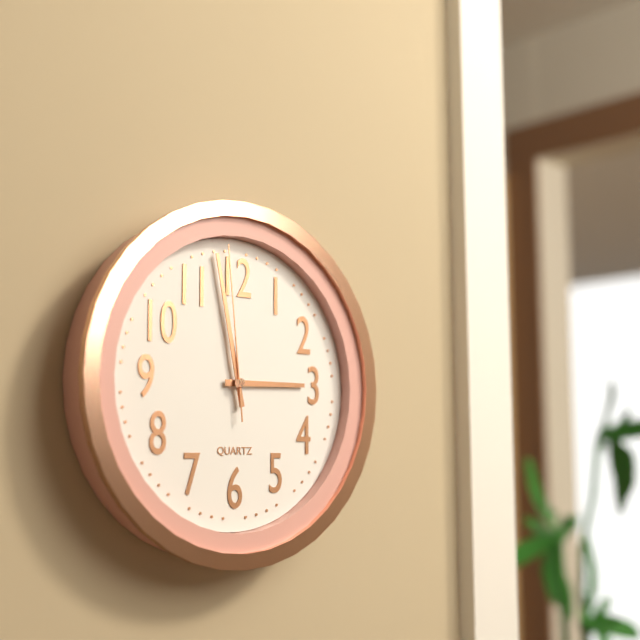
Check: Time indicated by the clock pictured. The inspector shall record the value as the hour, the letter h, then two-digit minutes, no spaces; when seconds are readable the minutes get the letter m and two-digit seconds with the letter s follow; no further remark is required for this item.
2h58m59s
